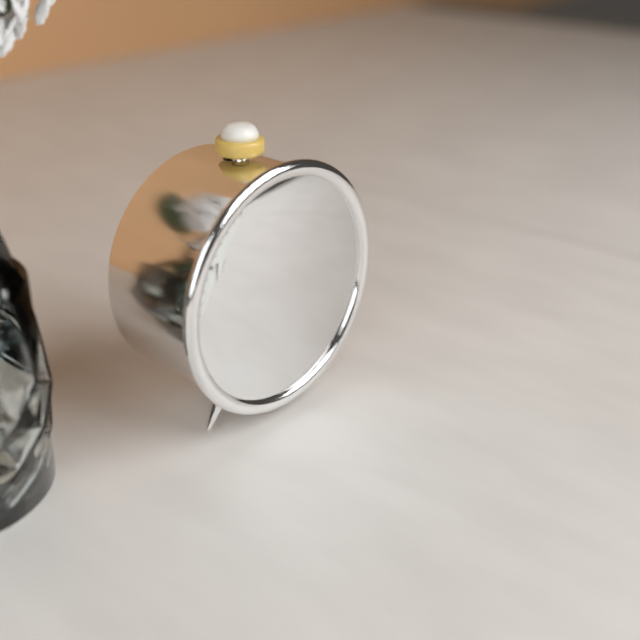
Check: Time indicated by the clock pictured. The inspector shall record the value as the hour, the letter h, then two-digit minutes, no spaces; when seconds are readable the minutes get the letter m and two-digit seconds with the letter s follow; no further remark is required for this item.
12h33
